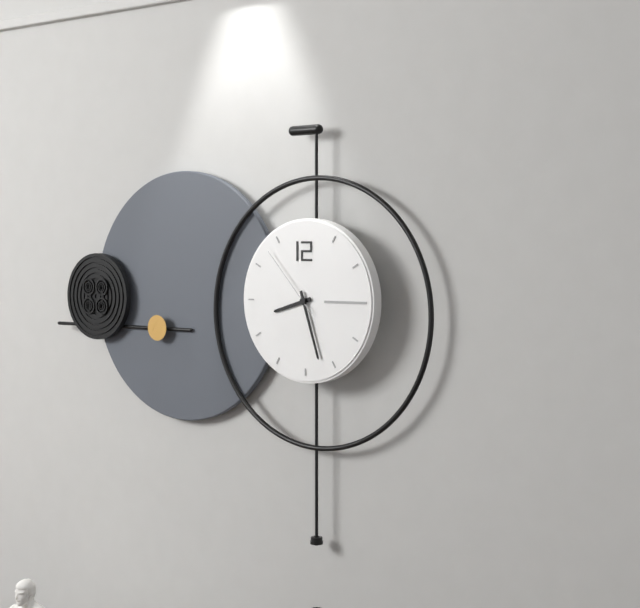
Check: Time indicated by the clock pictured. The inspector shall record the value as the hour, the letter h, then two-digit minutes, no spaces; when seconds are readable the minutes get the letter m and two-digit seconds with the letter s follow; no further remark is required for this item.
8h27m53s
